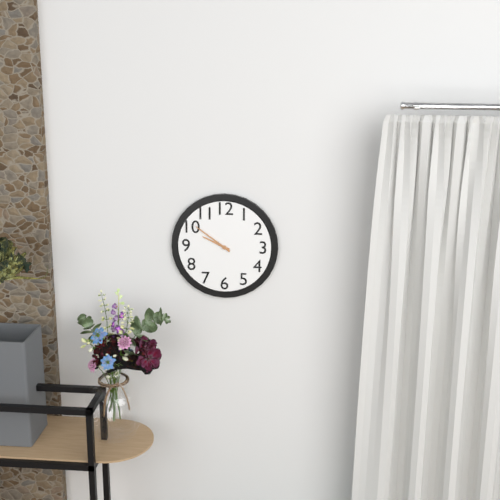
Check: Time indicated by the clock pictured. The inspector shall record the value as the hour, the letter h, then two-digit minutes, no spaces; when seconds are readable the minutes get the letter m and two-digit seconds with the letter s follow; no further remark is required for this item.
9h51
